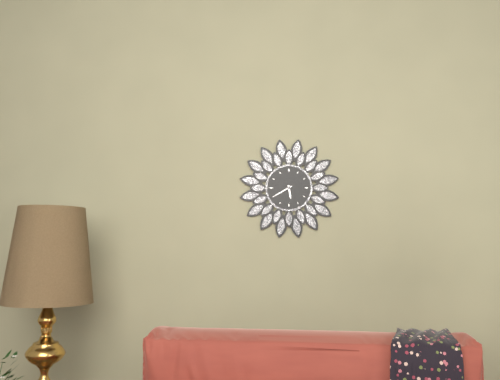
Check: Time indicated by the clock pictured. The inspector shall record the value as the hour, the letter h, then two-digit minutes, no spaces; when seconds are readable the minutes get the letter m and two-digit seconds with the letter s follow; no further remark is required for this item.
5h40
